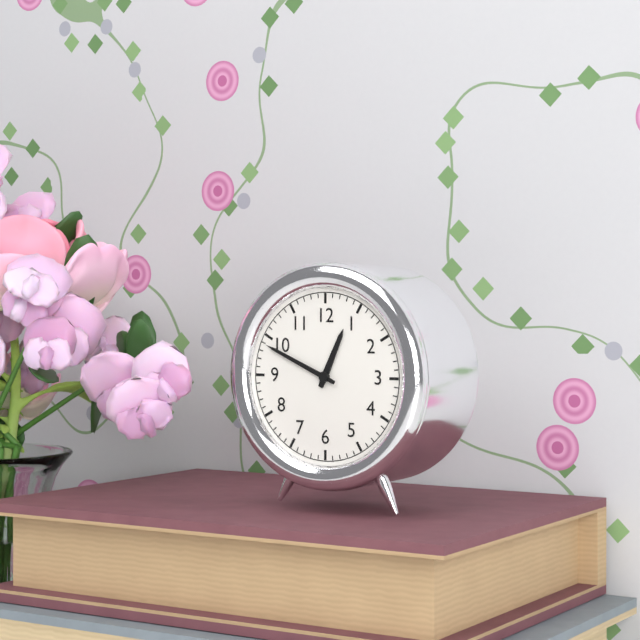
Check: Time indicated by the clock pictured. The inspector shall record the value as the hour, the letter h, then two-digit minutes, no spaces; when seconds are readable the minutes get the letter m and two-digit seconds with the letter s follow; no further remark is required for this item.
12h49
